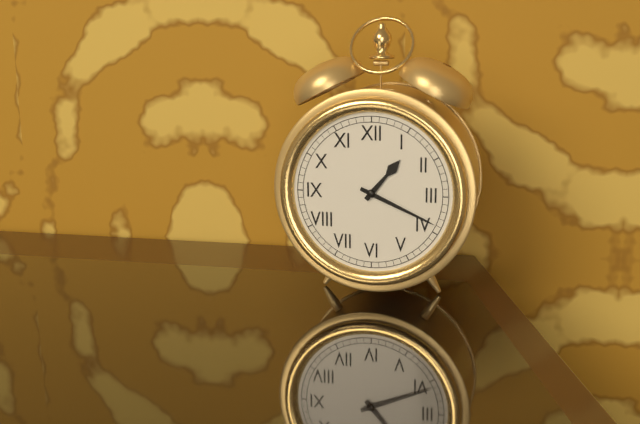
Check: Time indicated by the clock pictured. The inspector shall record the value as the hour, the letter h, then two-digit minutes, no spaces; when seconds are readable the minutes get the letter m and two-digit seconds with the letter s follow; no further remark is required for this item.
1h19
